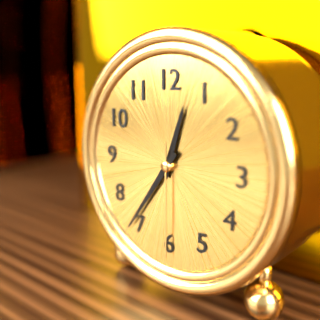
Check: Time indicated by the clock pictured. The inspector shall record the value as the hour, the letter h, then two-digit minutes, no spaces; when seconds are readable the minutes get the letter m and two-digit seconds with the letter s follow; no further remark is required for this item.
12h36m30s
